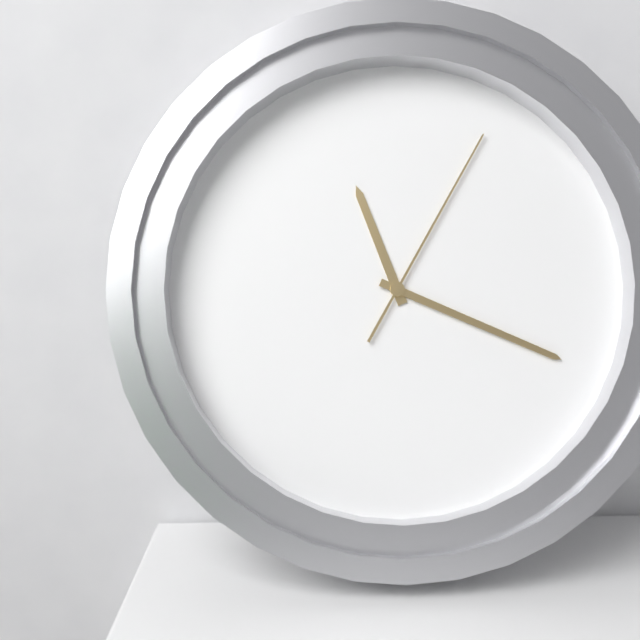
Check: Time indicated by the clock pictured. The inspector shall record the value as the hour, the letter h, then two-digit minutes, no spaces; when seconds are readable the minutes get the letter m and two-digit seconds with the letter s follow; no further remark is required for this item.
11h19m05s
